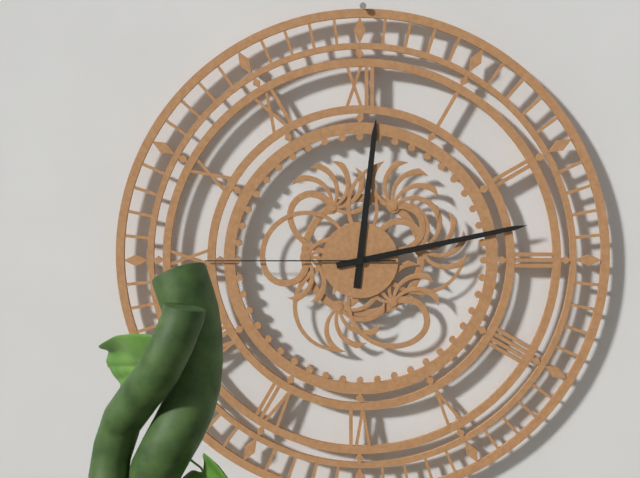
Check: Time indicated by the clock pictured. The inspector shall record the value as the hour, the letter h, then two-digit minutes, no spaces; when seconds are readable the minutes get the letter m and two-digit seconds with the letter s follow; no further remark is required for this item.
12h13m45s
